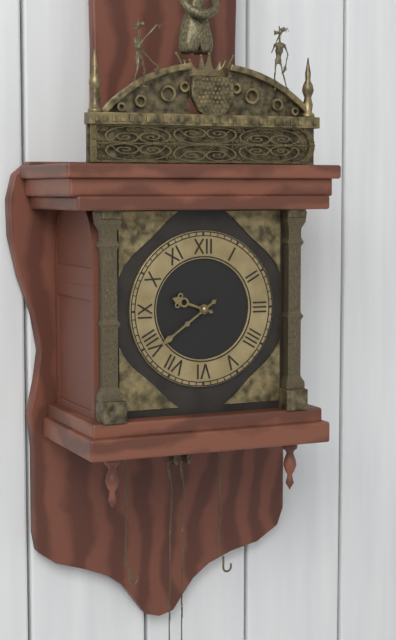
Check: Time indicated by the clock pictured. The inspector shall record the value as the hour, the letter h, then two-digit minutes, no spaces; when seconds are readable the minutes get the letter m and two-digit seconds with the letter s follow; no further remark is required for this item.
9h39
